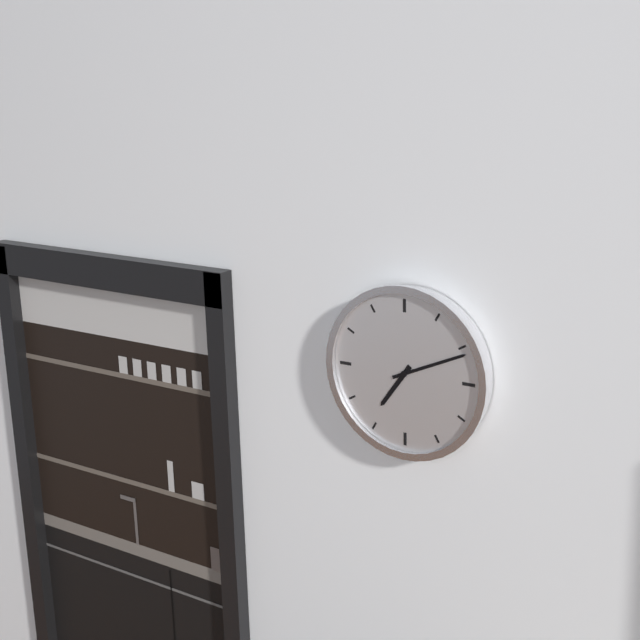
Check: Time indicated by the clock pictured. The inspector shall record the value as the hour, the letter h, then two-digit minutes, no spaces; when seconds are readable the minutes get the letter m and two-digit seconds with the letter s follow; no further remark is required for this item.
7h11
